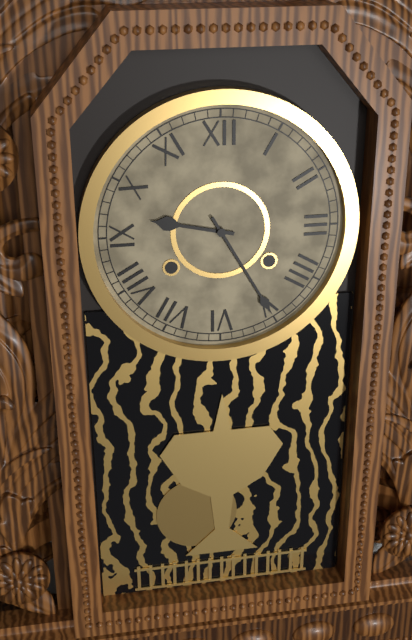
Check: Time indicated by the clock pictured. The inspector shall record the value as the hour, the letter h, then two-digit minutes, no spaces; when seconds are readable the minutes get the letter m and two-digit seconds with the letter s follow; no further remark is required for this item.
9h25
